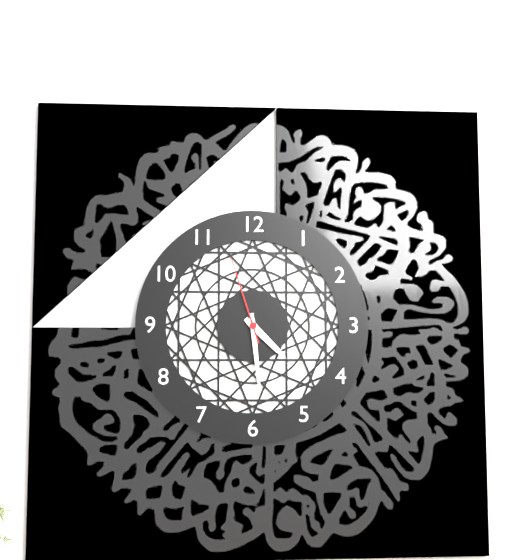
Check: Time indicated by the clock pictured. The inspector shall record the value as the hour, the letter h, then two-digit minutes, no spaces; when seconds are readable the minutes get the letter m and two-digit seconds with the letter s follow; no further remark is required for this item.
4h29m57s
